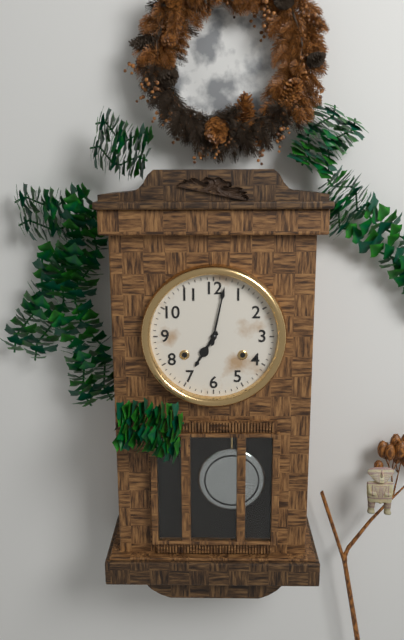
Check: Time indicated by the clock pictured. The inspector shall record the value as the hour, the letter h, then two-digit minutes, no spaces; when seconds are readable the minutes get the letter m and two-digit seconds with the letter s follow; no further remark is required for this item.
7h02
